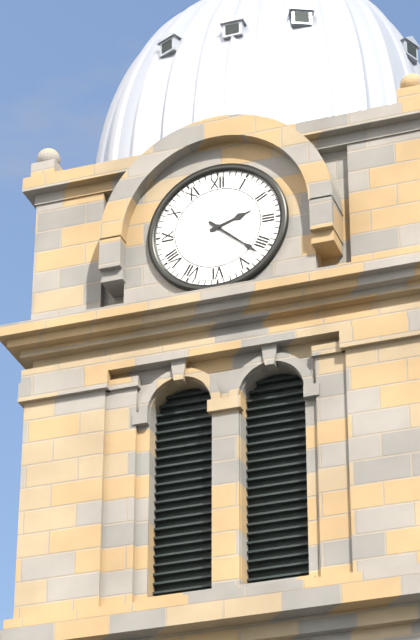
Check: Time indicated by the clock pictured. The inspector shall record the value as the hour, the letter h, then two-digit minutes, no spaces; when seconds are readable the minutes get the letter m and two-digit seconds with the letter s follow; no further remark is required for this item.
2h22
